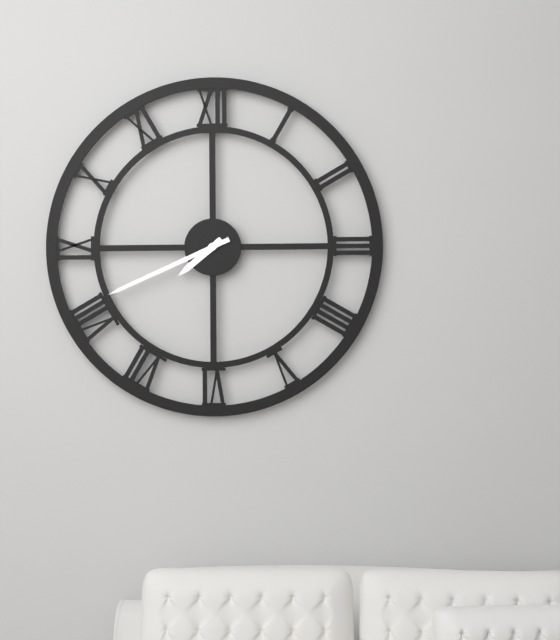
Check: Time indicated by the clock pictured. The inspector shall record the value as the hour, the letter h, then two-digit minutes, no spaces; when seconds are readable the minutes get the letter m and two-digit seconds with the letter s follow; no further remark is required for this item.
7h41
